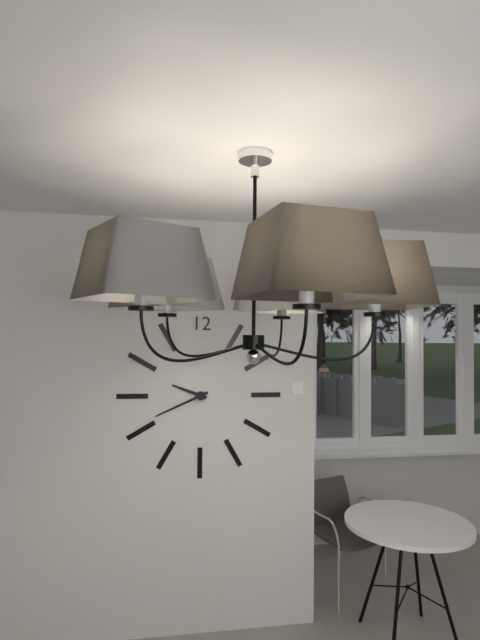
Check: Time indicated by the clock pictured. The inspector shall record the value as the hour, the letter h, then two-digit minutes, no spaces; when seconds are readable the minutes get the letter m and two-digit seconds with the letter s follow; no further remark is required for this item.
9h41
